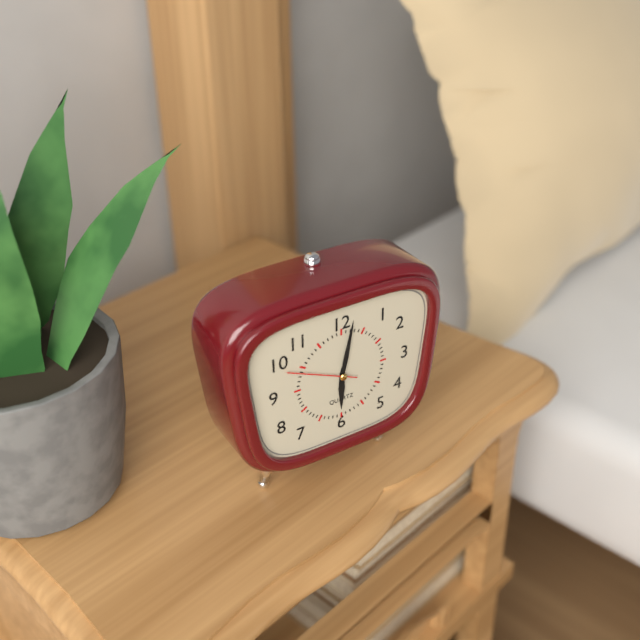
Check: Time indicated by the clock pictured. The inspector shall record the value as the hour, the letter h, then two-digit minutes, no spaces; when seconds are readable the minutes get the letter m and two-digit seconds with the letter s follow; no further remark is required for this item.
6h02m49s
